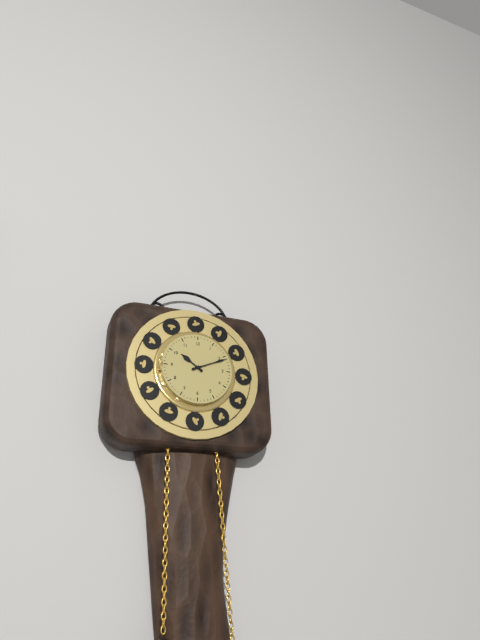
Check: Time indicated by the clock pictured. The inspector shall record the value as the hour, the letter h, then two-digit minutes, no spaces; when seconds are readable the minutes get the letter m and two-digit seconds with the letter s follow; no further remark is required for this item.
10h11
